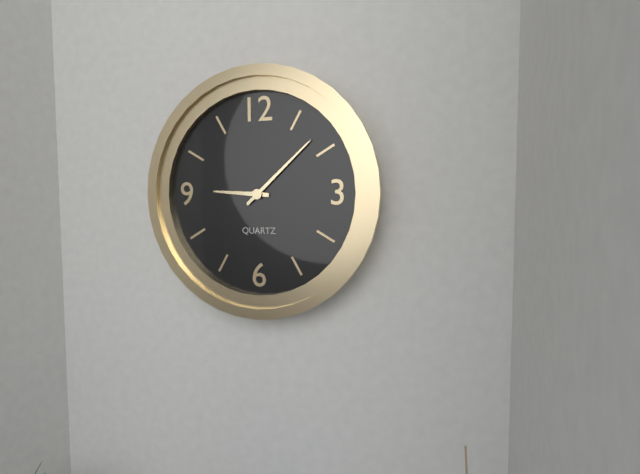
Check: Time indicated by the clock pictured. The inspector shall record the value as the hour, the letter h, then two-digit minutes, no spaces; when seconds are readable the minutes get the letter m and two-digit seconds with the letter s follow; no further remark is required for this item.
9h08
